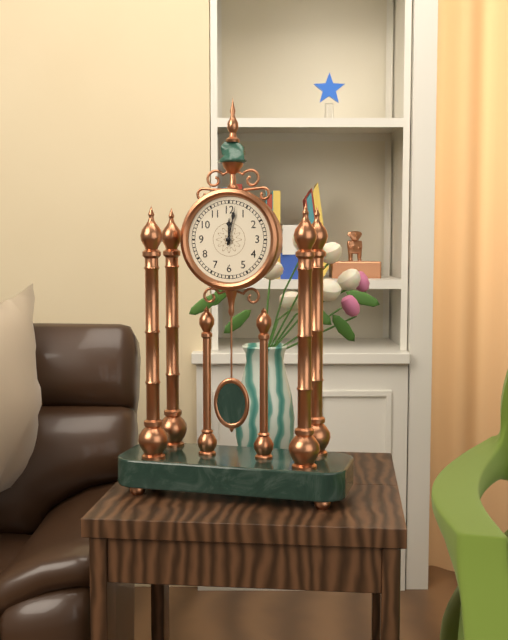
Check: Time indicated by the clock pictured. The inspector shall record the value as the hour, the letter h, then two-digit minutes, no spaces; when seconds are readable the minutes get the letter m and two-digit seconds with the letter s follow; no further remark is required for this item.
12h02
